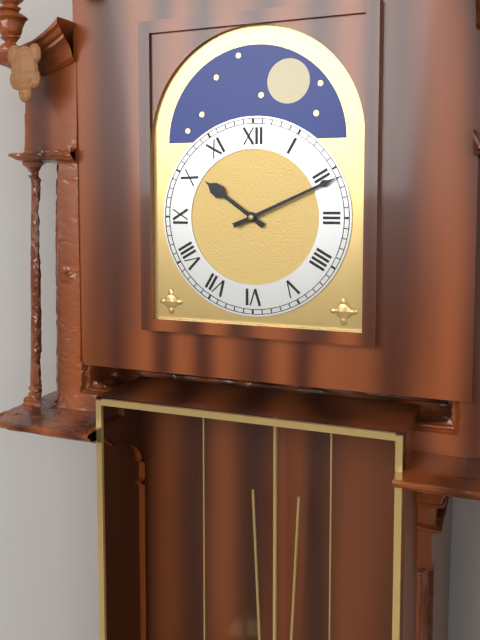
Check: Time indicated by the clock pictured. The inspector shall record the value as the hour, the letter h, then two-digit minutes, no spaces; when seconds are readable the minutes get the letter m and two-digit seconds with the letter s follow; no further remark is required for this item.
10h11
